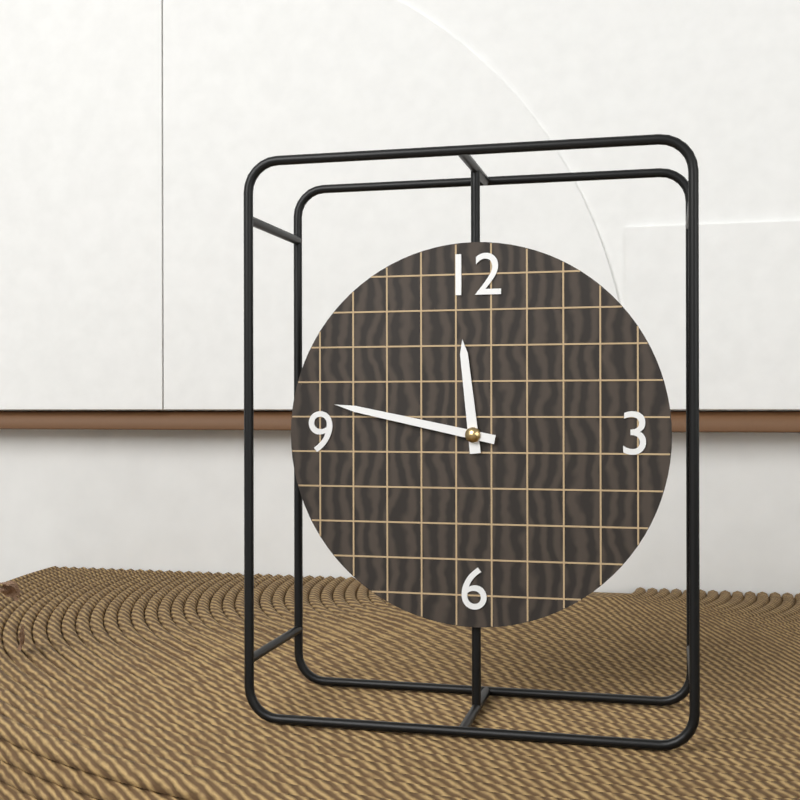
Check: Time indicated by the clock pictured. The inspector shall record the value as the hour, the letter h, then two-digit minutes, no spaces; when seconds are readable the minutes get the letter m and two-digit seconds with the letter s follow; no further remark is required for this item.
11h47
